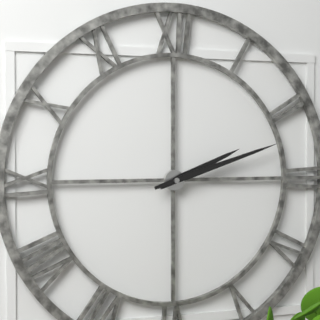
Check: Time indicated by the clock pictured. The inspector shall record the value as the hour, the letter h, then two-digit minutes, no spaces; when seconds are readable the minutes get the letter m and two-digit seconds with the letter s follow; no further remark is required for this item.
2h12
